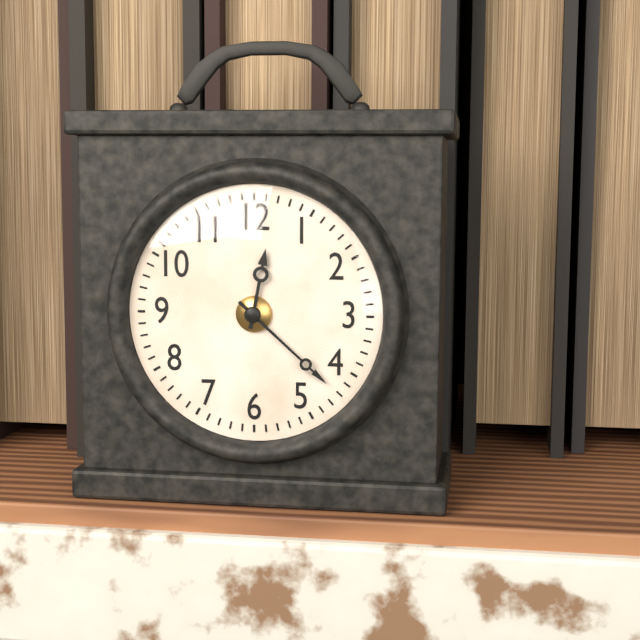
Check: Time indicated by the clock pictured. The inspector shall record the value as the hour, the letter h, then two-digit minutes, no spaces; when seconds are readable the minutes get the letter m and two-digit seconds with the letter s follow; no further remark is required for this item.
12h22
